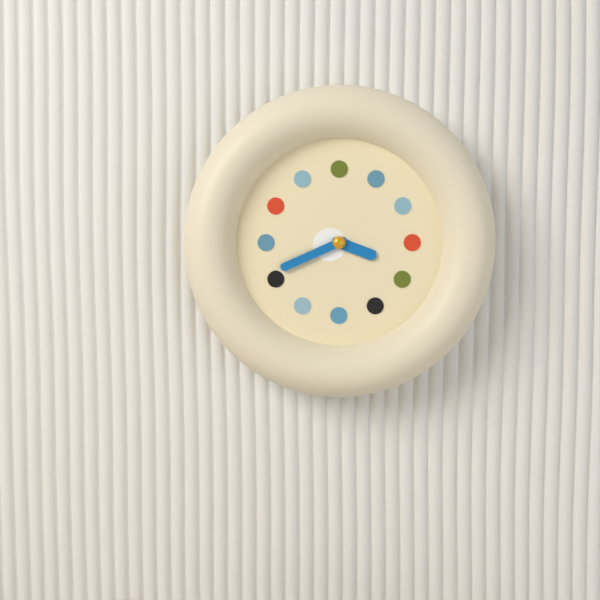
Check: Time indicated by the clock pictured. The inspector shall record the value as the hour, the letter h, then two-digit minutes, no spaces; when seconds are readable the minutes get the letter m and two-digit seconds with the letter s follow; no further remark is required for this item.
3h41
